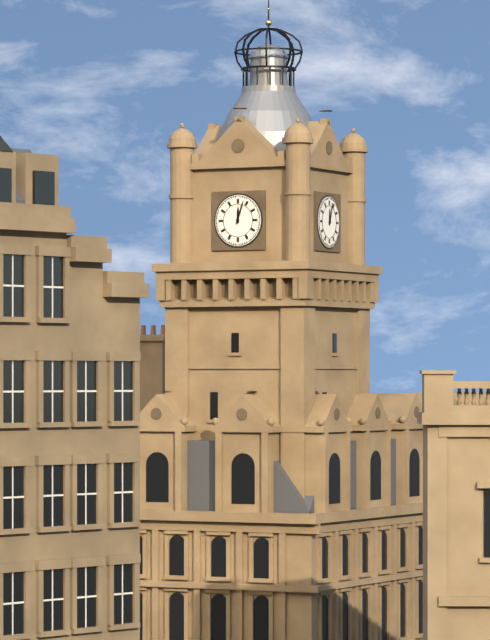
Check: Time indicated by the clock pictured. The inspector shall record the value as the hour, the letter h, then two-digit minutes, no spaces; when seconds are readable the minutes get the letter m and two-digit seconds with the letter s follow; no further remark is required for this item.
12h03
